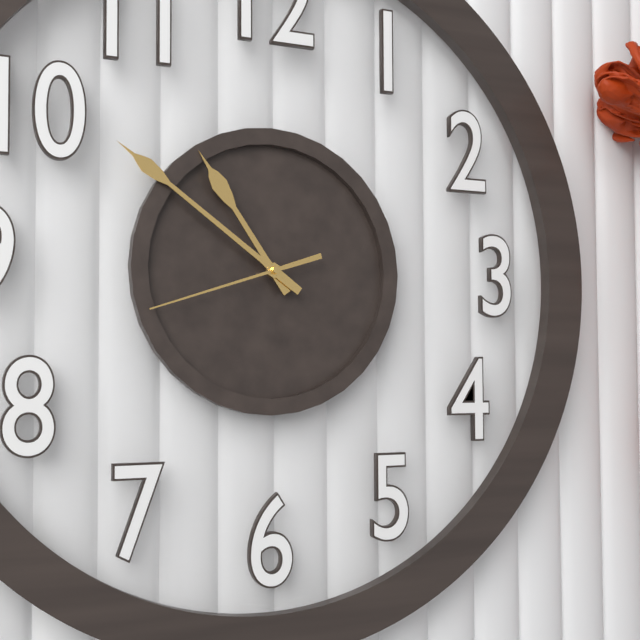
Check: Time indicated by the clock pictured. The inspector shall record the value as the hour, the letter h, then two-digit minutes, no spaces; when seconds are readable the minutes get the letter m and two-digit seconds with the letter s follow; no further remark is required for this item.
10h51m42s
